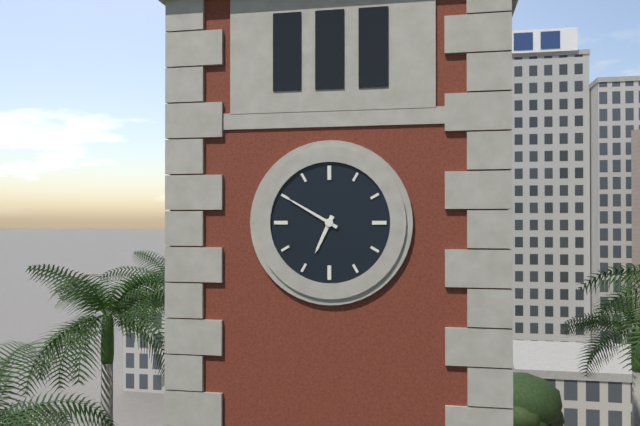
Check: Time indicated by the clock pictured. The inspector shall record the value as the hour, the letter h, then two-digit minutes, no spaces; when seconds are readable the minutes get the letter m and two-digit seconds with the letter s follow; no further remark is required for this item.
6h50
